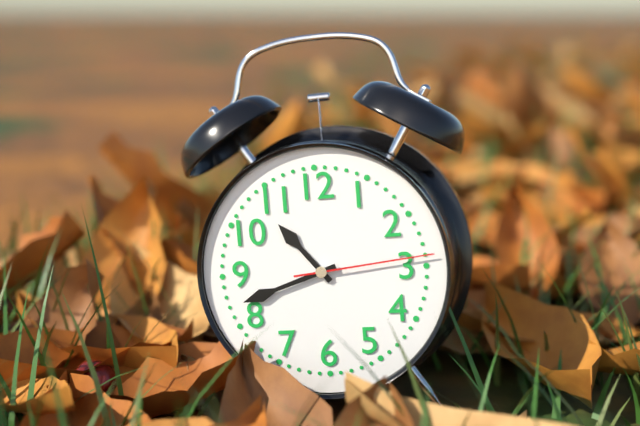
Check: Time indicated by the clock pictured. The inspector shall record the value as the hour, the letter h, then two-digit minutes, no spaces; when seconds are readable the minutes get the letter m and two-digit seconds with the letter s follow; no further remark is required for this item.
10h42m14s
